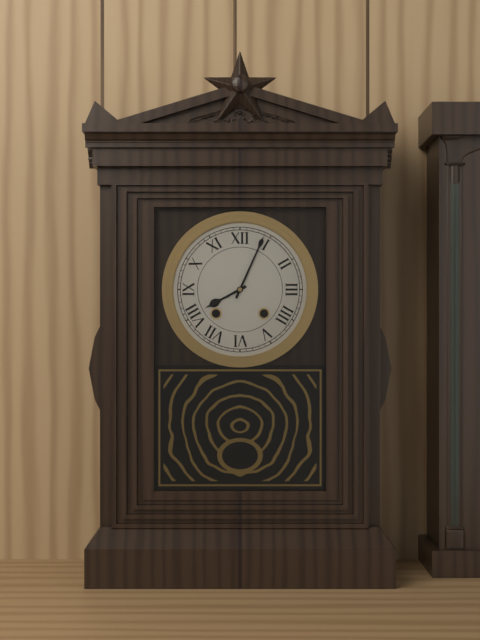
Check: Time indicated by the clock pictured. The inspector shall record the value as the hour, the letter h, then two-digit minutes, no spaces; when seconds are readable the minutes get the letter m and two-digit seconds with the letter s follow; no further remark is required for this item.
8h04
